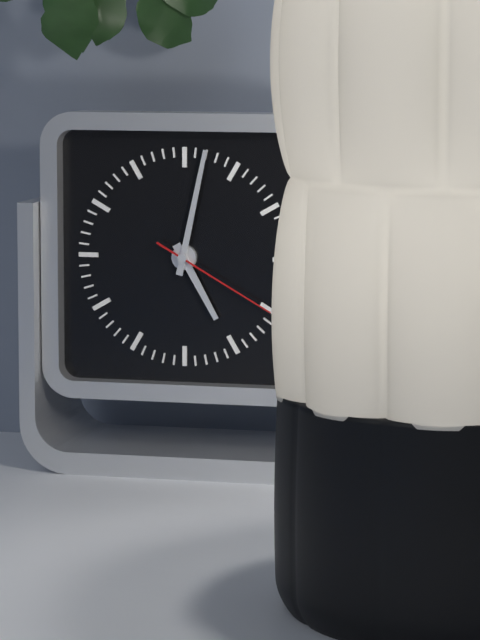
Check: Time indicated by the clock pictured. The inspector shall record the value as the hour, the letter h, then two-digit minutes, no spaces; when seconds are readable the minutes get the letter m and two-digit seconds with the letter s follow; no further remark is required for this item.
5h02m20s
